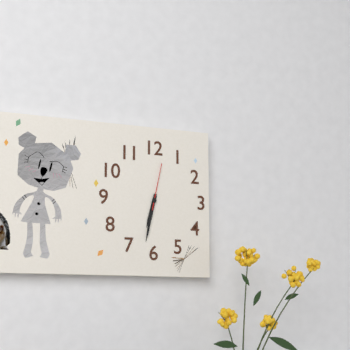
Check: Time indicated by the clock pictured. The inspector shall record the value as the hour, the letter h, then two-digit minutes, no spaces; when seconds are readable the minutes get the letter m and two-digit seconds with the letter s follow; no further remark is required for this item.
6h32
